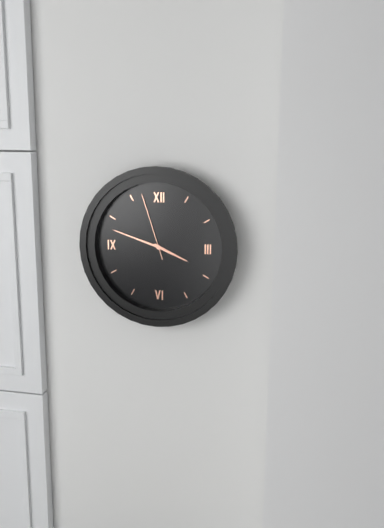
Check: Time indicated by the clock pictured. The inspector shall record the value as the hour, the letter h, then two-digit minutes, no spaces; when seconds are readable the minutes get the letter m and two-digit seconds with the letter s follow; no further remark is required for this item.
3h48m57s
